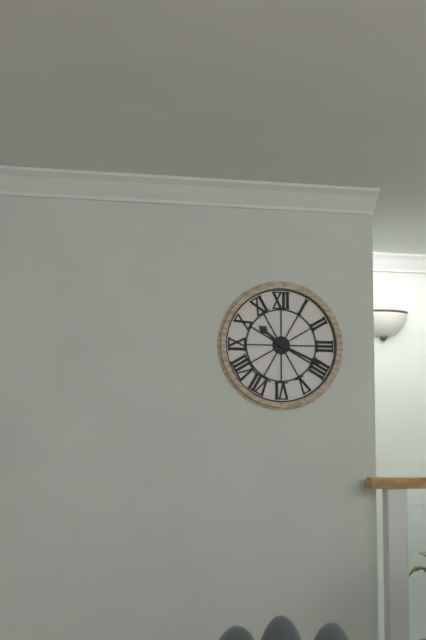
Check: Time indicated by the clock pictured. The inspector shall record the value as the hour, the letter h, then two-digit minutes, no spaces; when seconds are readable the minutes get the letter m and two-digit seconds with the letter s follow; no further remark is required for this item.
10h19
